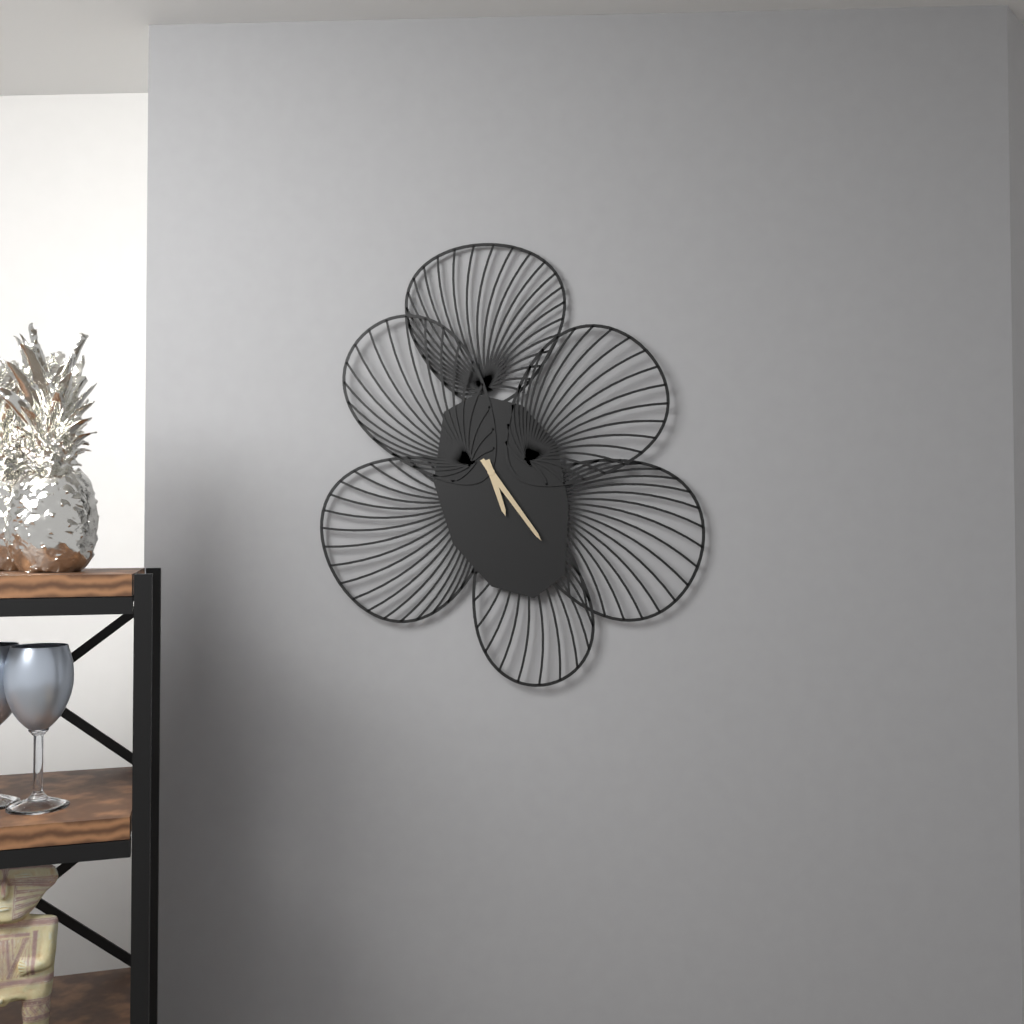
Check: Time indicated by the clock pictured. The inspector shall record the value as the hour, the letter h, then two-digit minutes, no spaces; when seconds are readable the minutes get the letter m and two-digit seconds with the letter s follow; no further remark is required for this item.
5h24
